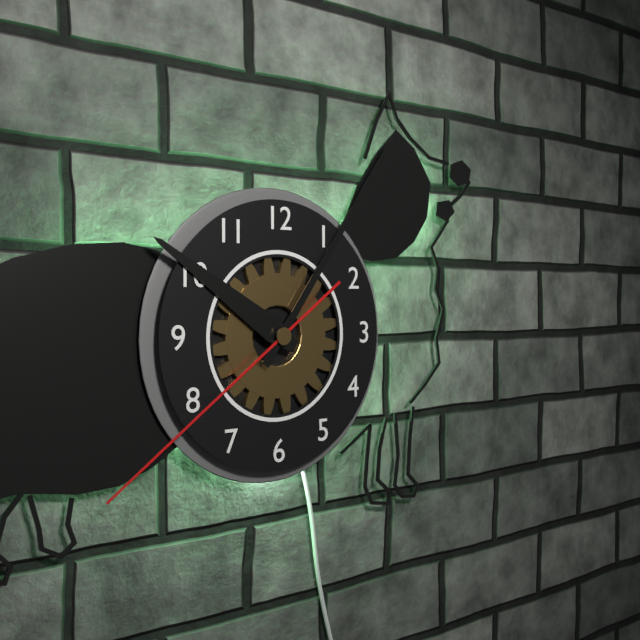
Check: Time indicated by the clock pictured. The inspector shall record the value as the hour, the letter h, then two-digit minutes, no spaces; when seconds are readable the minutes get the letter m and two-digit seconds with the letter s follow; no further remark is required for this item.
10h06m39s
